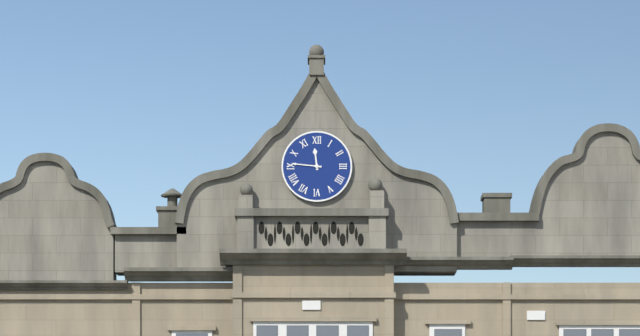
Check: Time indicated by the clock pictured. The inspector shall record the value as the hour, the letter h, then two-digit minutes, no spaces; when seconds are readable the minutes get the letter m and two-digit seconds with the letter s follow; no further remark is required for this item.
11h46
